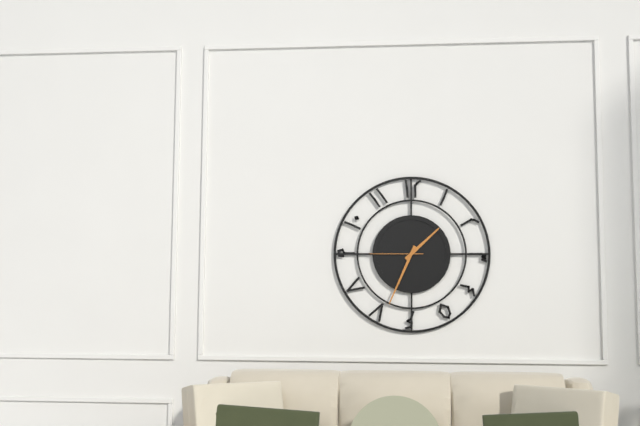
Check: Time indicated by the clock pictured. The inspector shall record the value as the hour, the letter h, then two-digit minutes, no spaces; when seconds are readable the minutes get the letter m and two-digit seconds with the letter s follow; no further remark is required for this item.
1h34m45s
